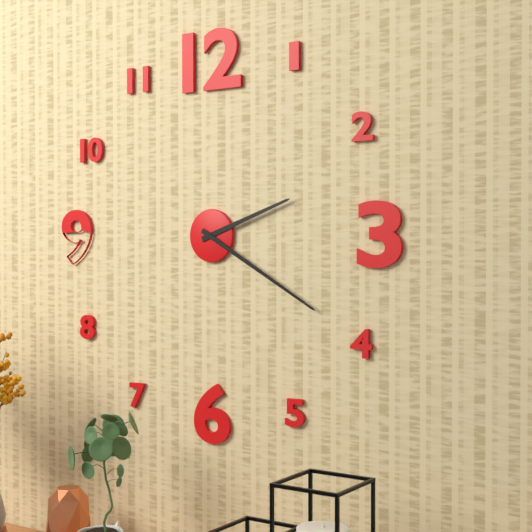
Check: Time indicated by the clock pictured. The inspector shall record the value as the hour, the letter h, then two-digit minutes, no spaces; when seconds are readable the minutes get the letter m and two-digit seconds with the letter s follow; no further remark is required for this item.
2h20
